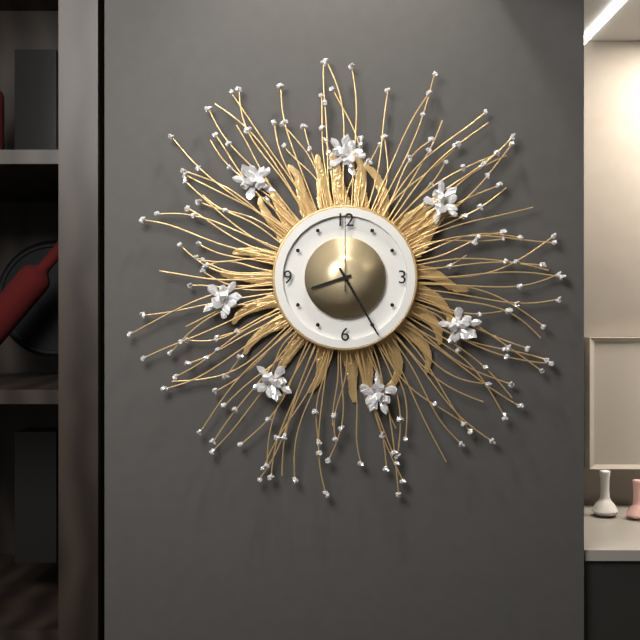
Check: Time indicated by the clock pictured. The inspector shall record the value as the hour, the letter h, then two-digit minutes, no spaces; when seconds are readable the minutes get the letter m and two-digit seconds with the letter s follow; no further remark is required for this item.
8h25m00s
